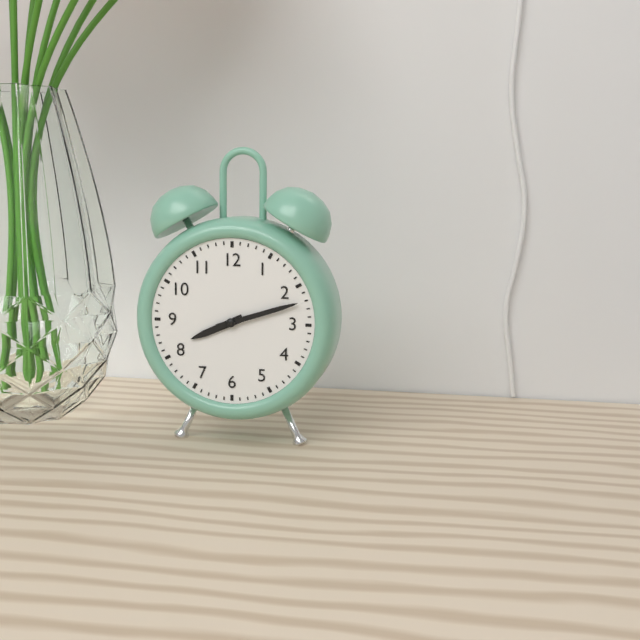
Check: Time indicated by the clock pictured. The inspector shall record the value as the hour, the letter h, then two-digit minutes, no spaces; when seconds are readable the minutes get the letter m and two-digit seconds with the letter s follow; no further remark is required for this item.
8h12
